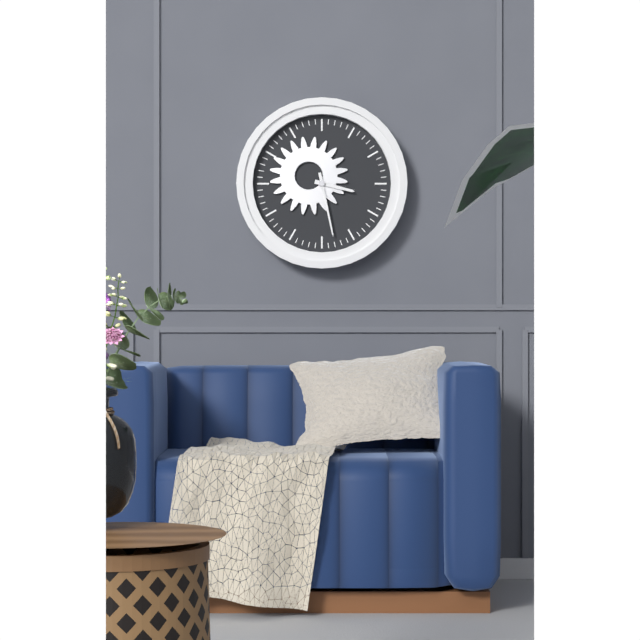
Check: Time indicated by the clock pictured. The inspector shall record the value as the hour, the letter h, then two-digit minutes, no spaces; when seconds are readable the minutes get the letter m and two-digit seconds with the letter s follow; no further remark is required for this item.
3h28
